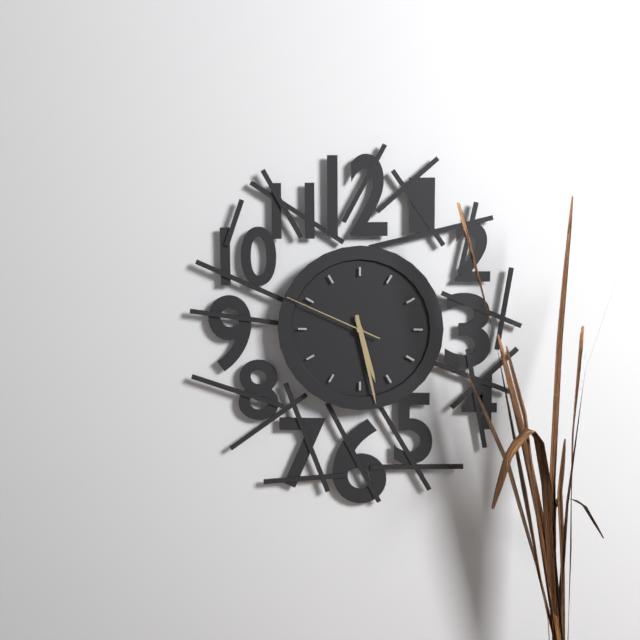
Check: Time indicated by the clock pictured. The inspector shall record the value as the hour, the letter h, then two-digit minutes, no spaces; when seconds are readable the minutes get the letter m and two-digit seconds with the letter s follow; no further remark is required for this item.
5h28m49s
